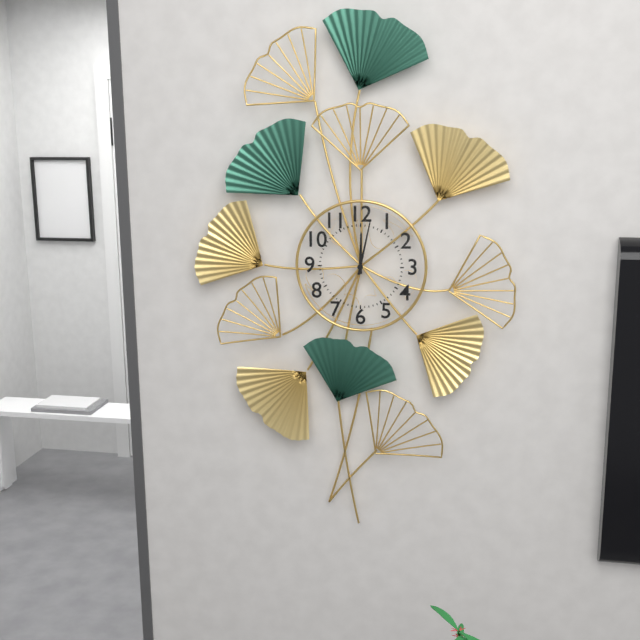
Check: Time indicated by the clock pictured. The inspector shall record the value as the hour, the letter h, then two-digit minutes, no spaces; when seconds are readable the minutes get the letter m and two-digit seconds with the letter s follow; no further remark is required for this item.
12h02
